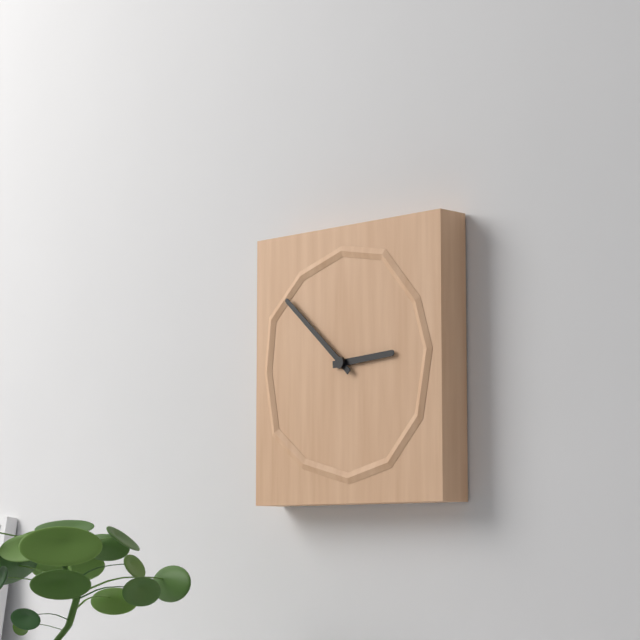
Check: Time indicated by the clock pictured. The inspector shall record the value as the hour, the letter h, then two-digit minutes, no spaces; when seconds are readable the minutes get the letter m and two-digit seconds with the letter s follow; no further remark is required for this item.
2h52
